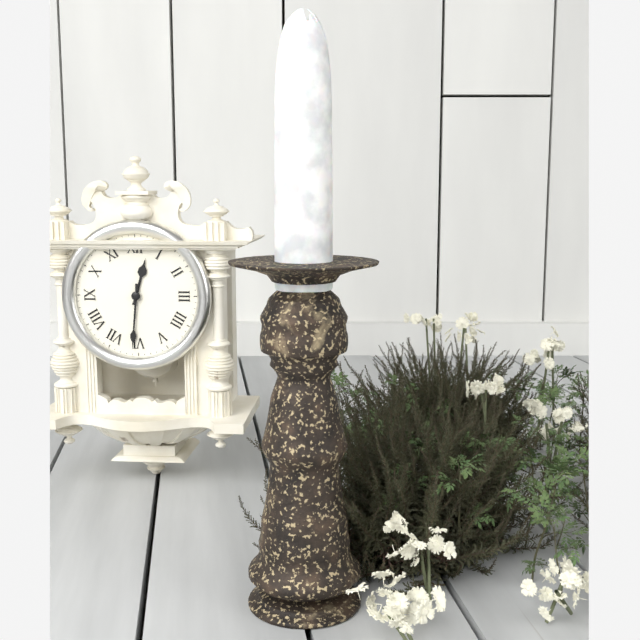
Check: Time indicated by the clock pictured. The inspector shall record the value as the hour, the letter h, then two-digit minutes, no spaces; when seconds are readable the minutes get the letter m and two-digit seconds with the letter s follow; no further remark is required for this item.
12h31
